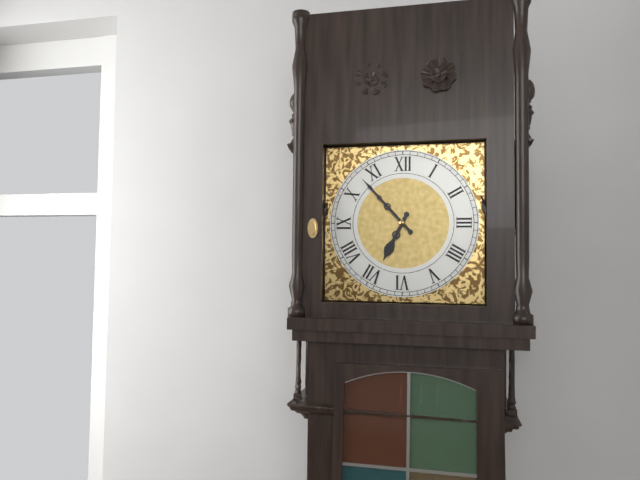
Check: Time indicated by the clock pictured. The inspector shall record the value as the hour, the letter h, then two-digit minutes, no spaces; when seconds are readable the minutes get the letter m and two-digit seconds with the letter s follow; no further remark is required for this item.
6h53
